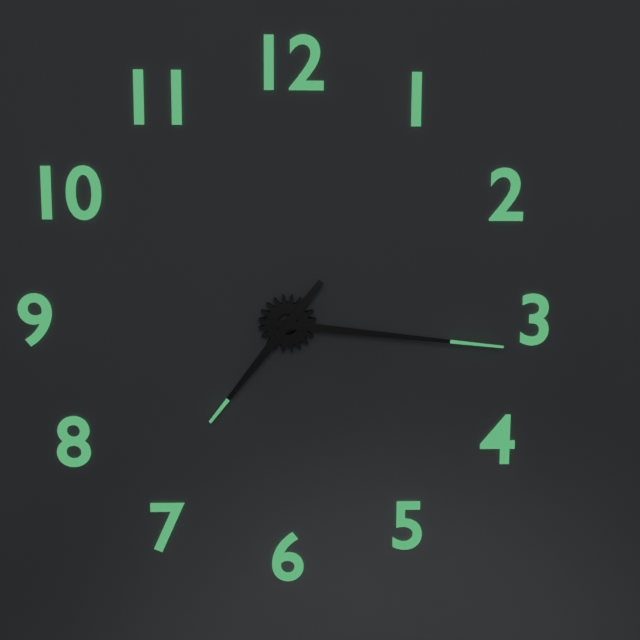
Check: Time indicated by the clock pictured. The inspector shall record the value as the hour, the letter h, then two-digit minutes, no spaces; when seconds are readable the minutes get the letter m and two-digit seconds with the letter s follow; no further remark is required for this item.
7h16
